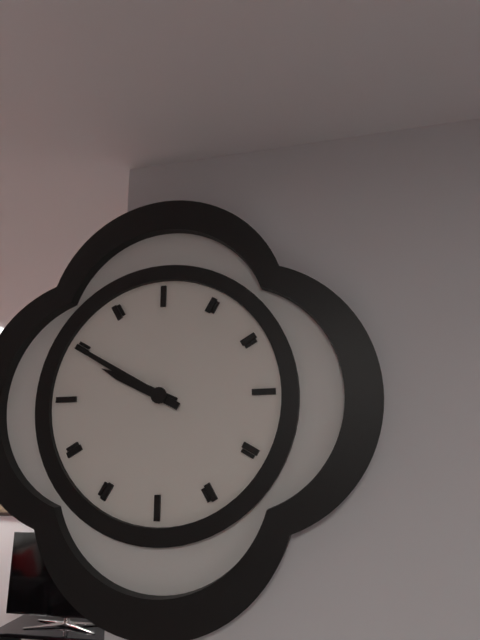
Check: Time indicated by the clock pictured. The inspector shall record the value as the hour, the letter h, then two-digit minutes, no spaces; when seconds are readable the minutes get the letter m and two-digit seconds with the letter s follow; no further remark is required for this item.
9h50
